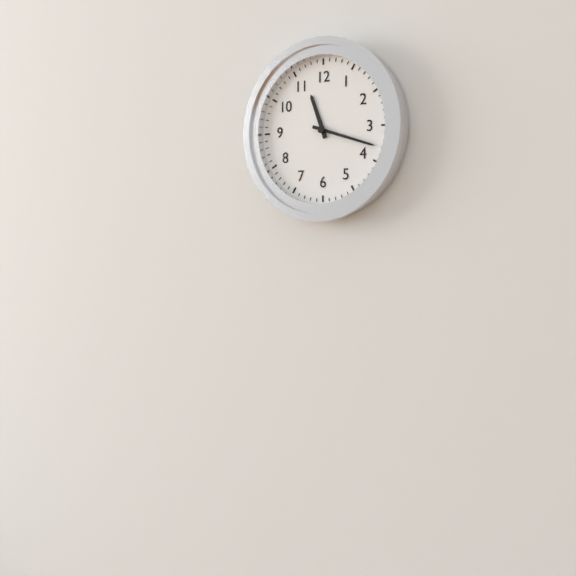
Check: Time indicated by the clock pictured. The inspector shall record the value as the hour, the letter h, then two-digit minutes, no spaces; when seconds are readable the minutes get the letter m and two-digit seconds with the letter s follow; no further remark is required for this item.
11h18
